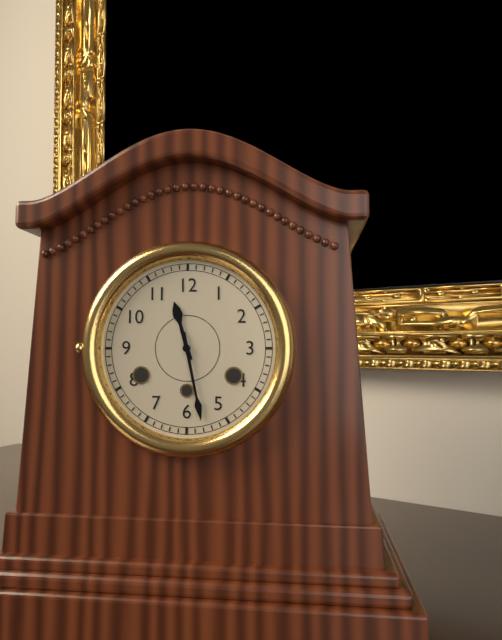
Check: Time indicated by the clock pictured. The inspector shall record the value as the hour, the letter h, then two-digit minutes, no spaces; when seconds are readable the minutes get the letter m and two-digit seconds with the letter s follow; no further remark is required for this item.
11h28
